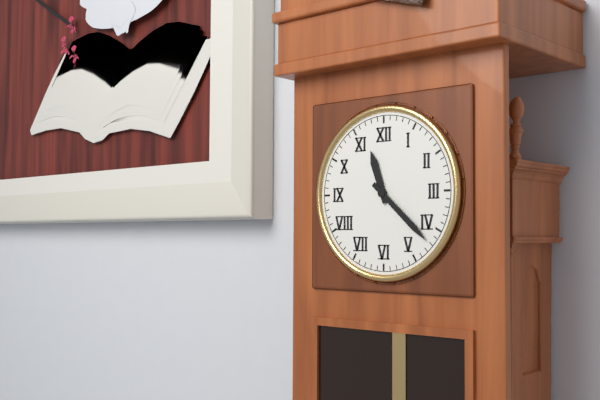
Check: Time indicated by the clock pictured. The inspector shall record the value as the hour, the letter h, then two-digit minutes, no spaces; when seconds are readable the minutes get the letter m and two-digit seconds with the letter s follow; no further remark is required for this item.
11h22
